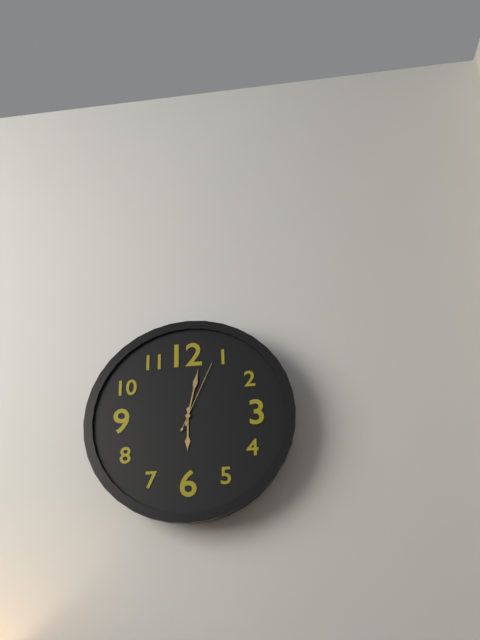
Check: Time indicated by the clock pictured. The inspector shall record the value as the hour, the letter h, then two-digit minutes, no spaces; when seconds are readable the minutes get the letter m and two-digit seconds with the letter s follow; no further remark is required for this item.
6h02m04s
